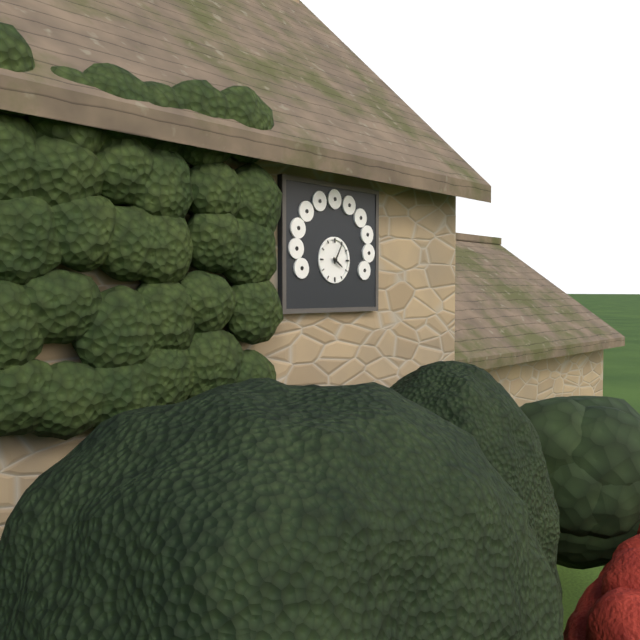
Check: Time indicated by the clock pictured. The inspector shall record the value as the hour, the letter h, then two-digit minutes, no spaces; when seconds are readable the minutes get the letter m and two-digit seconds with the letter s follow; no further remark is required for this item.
4h05
